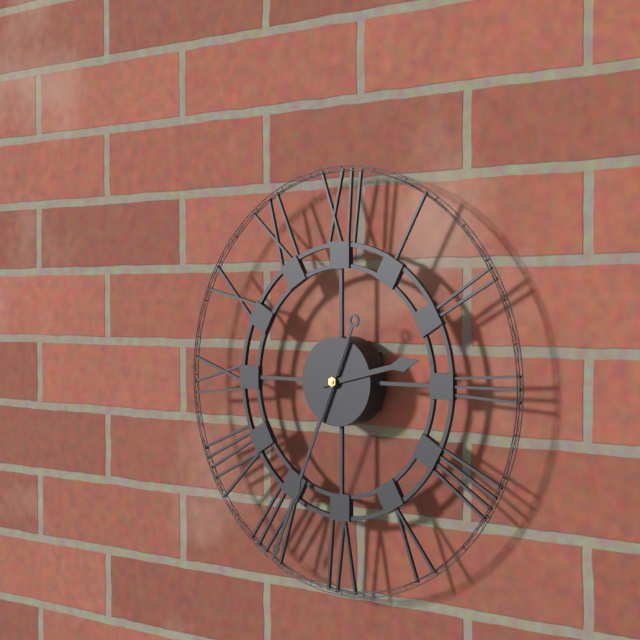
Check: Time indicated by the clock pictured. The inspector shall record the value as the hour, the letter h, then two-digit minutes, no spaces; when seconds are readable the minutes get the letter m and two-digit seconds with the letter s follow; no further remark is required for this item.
2h34
